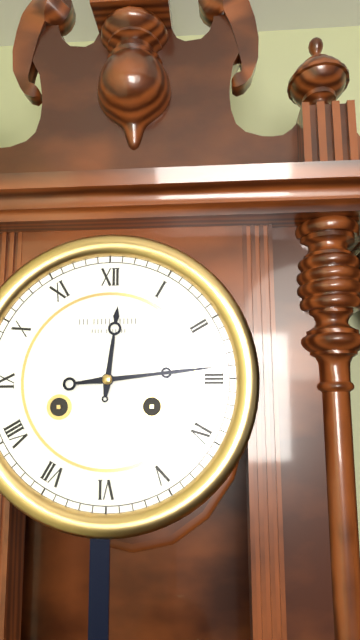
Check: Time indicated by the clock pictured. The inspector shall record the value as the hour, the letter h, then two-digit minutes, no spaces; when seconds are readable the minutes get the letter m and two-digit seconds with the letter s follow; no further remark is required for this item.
12h14
